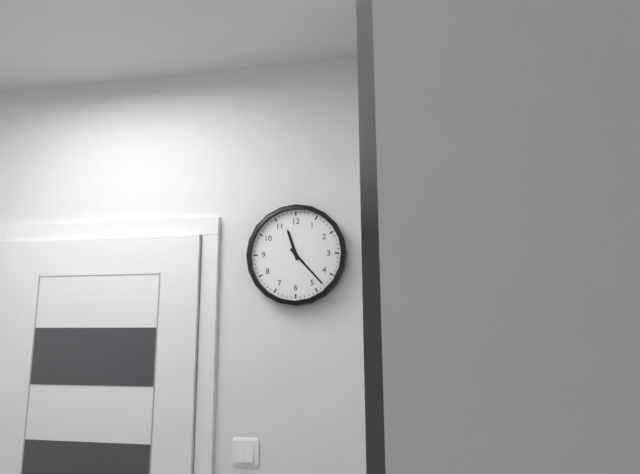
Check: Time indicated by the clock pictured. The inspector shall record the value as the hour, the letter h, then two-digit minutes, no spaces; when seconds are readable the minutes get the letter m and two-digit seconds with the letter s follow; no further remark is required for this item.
11h23
